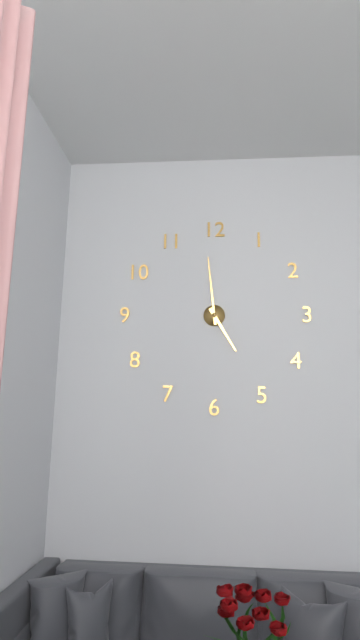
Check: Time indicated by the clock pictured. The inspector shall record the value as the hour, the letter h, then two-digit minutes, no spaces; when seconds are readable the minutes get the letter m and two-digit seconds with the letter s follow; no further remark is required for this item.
4h59
